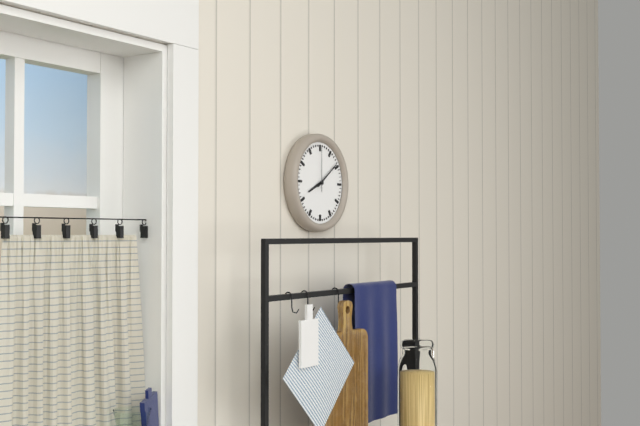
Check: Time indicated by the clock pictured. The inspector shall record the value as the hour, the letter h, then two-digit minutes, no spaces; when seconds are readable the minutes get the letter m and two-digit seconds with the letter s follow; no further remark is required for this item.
8h09
